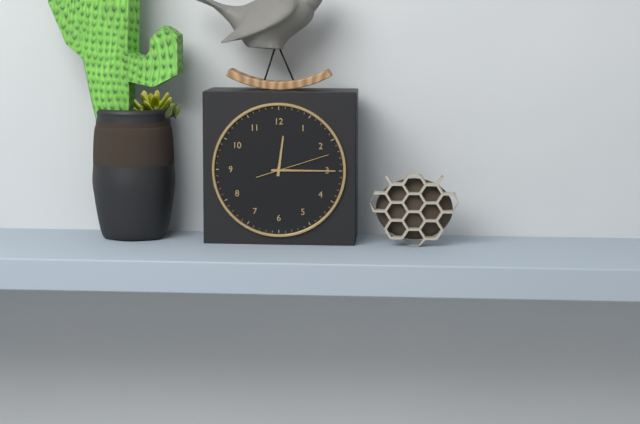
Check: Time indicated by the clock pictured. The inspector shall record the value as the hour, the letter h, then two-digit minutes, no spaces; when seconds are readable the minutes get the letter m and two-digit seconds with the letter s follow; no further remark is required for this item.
12h15m12s
